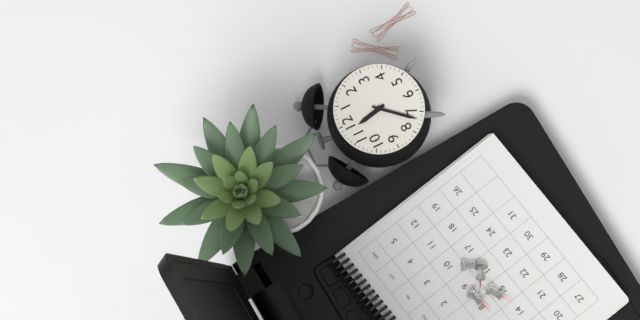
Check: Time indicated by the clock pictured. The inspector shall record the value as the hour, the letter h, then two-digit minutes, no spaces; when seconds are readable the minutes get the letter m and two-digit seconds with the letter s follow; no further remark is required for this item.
11h37
